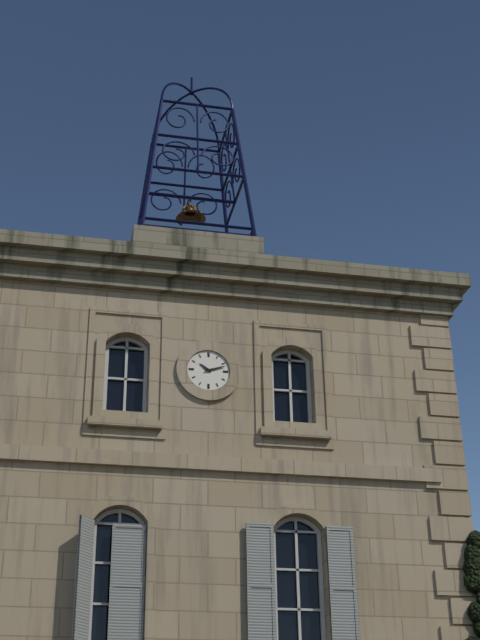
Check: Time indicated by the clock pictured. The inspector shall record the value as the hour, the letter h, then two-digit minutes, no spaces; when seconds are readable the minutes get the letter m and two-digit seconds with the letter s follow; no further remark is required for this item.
10h12
